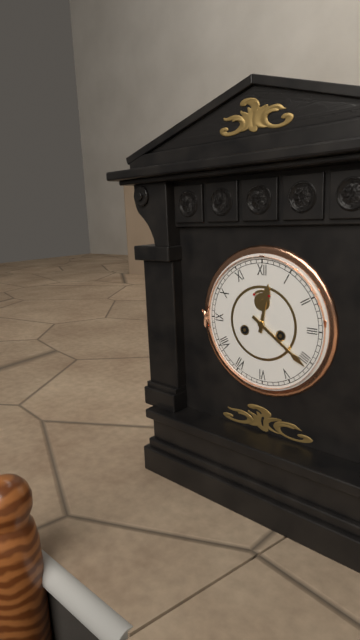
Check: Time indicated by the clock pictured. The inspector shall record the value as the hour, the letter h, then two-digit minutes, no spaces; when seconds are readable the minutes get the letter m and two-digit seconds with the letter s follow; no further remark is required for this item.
12h21
